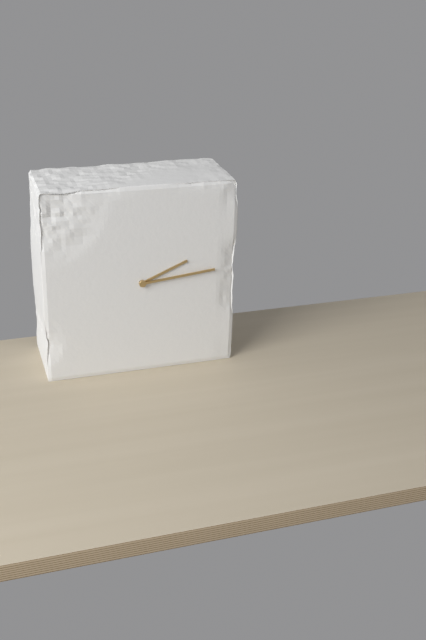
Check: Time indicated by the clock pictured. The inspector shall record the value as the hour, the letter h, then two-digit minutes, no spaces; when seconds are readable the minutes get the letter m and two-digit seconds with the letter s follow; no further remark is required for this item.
2h14
